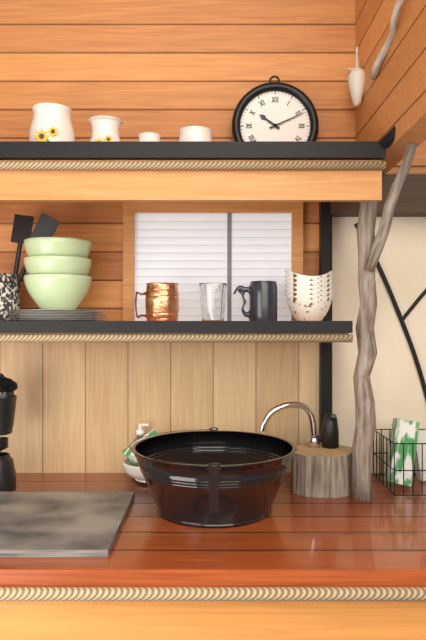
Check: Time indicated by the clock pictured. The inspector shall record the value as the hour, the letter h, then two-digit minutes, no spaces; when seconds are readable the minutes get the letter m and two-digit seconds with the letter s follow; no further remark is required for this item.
10h11
